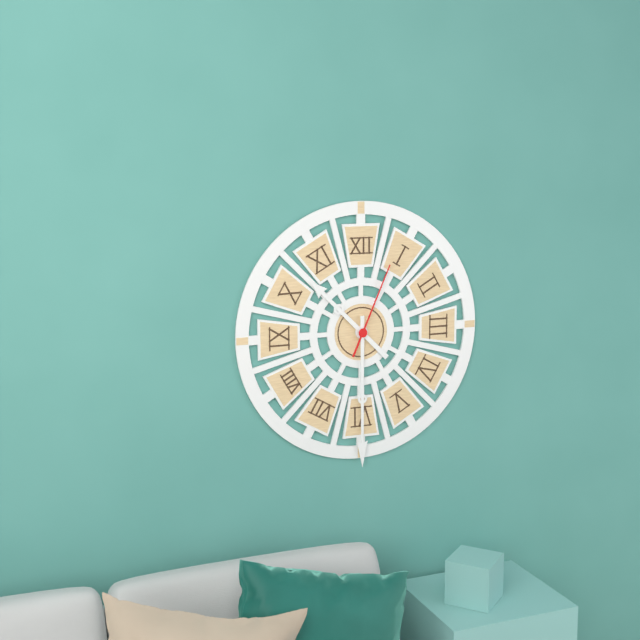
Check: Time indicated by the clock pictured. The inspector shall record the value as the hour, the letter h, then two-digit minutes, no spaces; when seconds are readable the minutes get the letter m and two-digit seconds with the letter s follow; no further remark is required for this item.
10h30m04s
